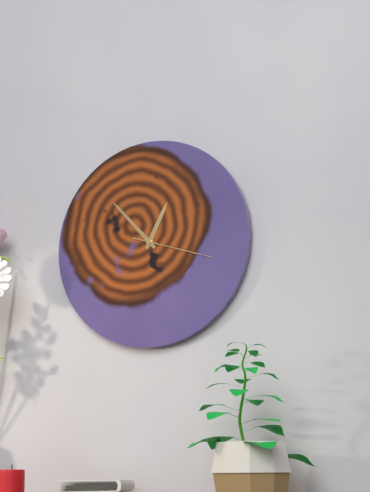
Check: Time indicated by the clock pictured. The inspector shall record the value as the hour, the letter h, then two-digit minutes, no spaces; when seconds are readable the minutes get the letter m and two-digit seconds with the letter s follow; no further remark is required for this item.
12h53m18s
